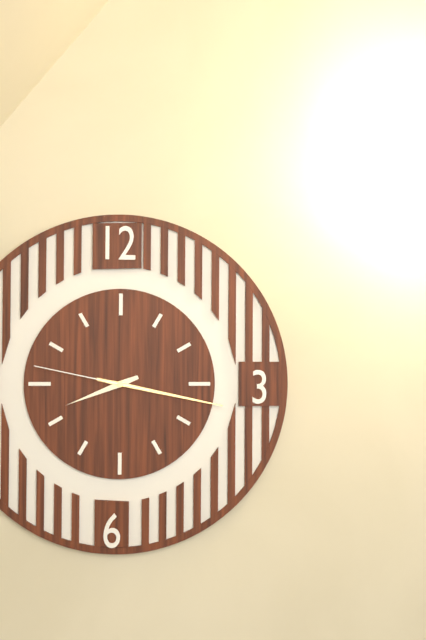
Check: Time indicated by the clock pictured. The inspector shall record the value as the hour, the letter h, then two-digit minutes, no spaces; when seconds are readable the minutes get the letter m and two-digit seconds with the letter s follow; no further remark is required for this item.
8h17m47s
